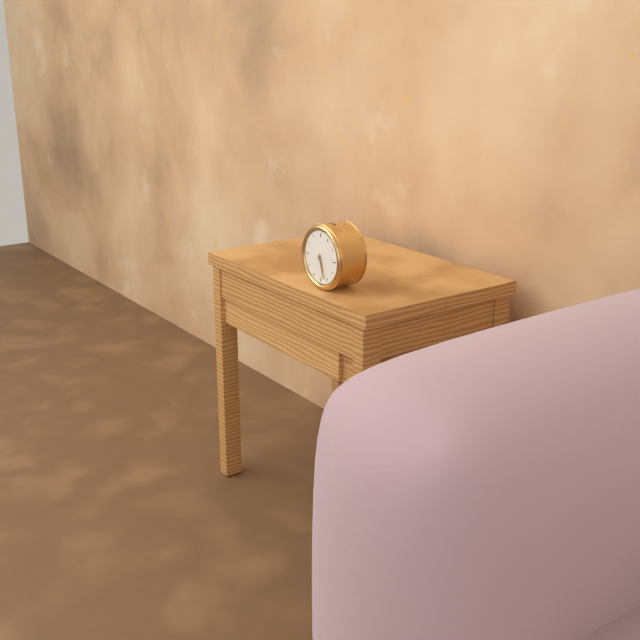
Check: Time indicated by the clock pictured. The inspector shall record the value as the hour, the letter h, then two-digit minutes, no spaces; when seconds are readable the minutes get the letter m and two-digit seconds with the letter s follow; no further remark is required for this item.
5h27
